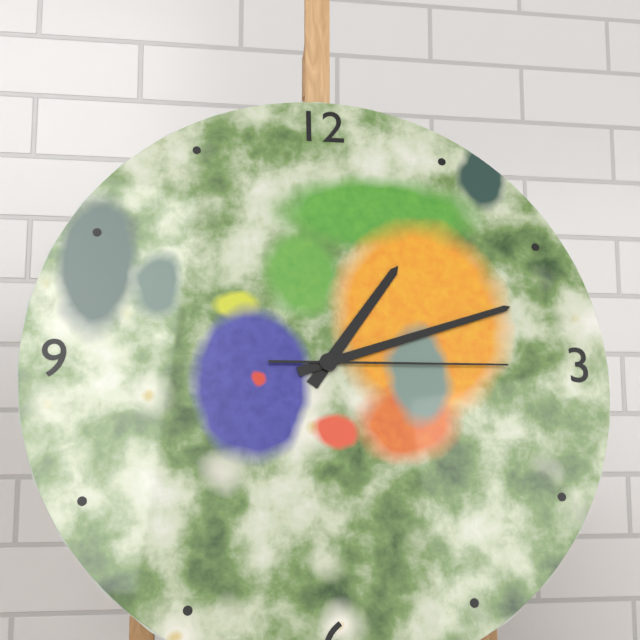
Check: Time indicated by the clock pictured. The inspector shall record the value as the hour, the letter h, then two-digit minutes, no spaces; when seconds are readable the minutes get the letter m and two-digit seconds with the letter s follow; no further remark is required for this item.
1h12m15s
